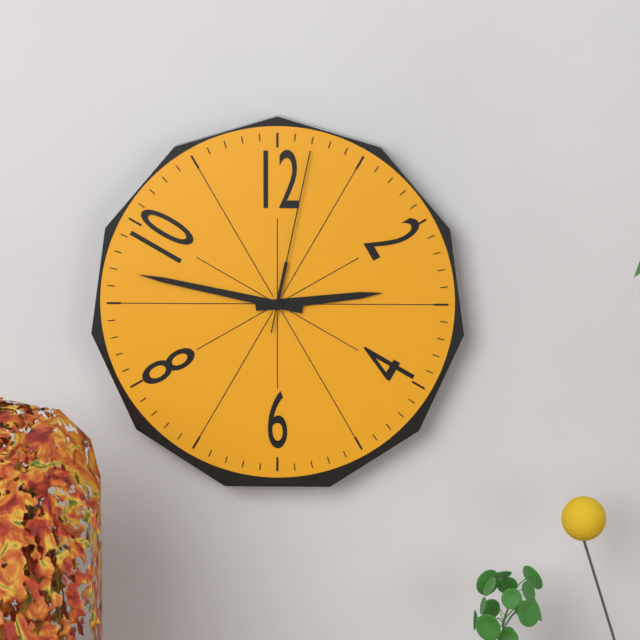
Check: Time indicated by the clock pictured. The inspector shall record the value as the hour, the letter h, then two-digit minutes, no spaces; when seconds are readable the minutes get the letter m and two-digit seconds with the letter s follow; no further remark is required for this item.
2h47m02s
